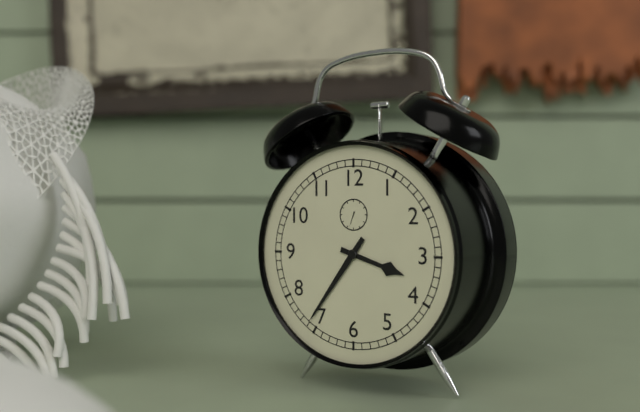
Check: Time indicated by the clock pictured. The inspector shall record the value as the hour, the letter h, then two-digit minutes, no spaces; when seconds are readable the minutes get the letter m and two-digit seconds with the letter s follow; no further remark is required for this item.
3h36
